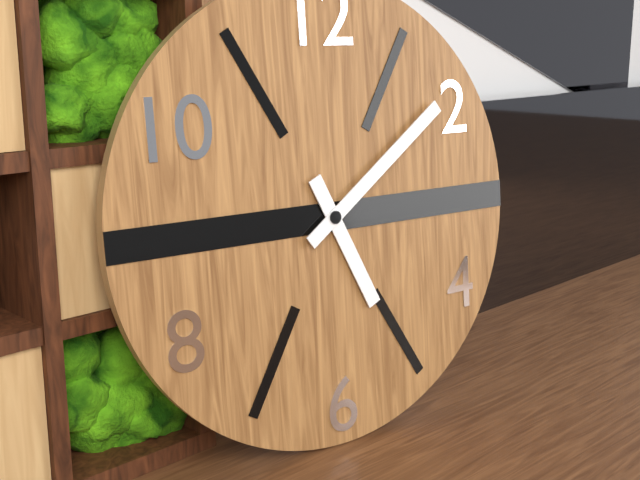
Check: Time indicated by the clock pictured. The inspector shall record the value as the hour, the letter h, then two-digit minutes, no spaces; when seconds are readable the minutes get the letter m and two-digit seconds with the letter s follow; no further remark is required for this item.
5h09
